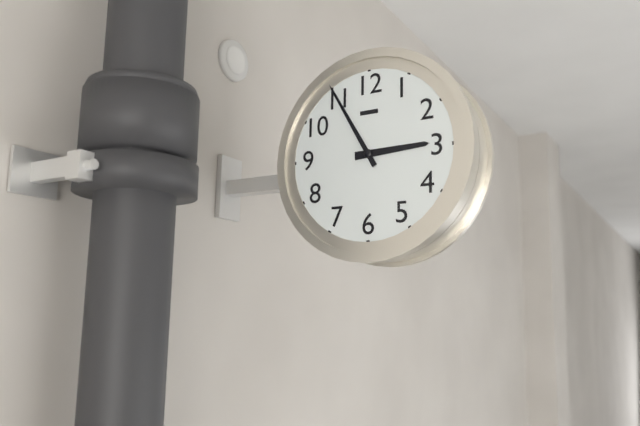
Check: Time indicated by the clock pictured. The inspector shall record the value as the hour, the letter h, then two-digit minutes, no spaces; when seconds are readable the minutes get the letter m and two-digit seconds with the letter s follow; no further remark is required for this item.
2h55
